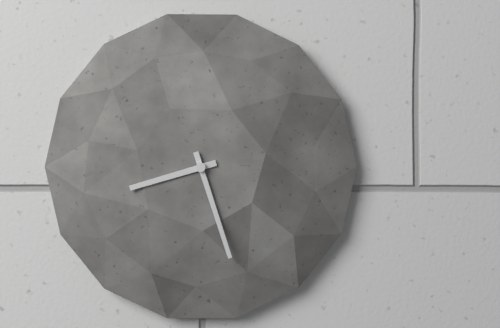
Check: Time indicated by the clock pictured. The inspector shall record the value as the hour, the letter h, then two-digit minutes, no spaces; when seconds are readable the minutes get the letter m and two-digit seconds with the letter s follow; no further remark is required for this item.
8h27
